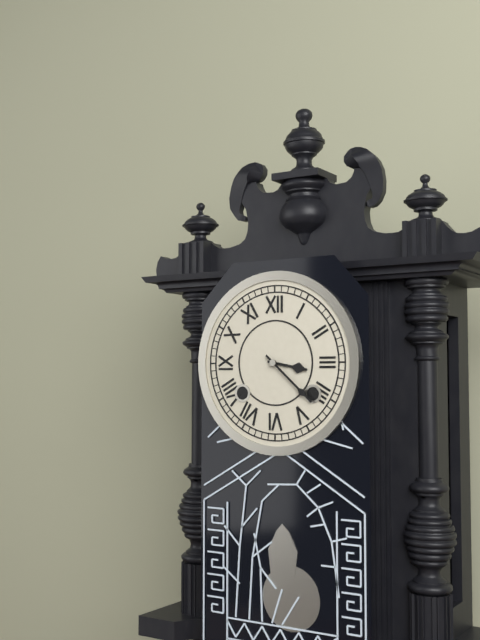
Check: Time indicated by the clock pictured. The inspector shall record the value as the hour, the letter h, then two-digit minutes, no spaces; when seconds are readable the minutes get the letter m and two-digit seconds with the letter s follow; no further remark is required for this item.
3h22
